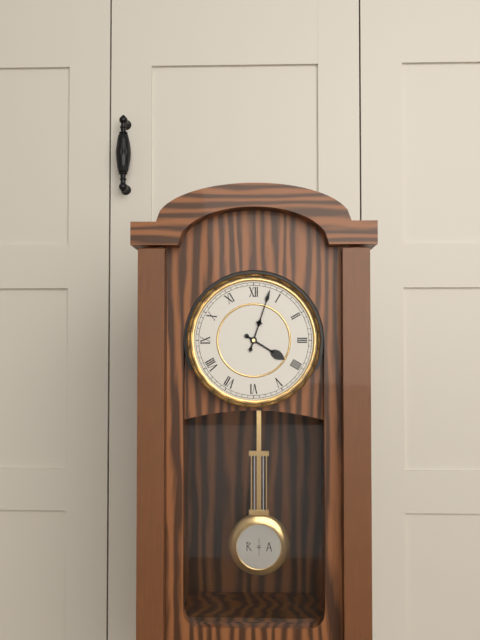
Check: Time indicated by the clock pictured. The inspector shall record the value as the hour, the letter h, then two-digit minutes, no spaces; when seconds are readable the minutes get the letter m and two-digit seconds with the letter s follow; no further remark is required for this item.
4h03
